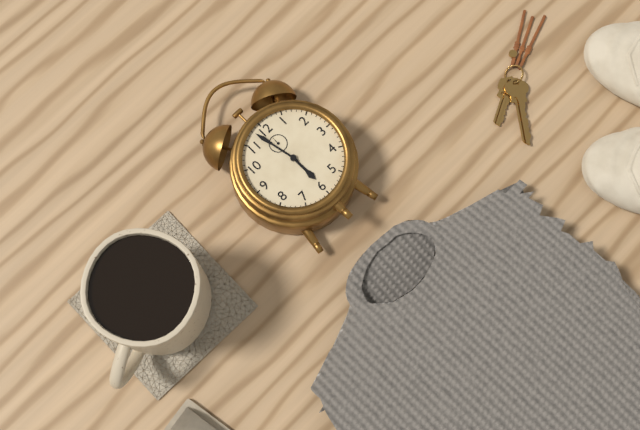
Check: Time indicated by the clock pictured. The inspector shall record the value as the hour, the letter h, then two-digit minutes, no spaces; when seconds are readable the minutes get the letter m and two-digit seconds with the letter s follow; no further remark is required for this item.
5h58
